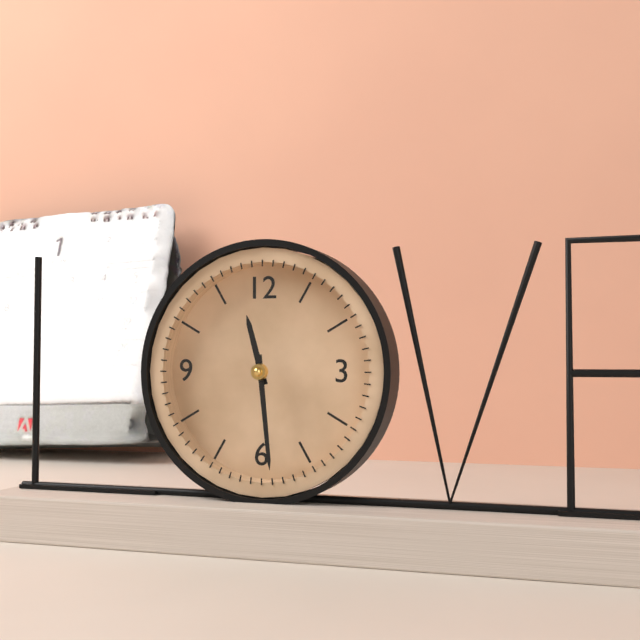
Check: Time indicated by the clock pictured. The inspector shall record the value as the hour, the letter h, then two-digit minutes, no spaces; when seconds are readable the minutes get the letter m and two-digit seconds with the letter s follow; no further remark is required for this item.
11h29
